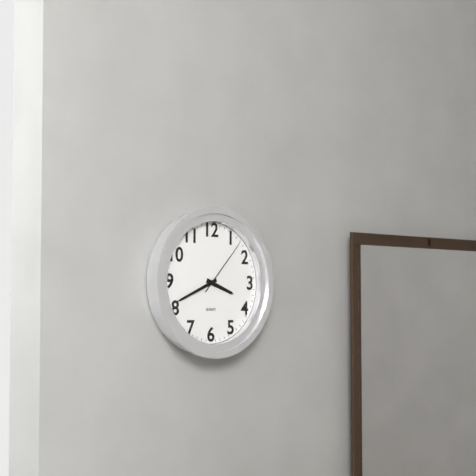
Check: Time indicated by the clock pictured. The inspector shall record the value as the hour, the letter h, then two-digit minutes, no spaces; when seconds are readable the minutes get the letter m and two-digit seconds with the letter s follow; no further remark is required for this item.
3h41m07s
